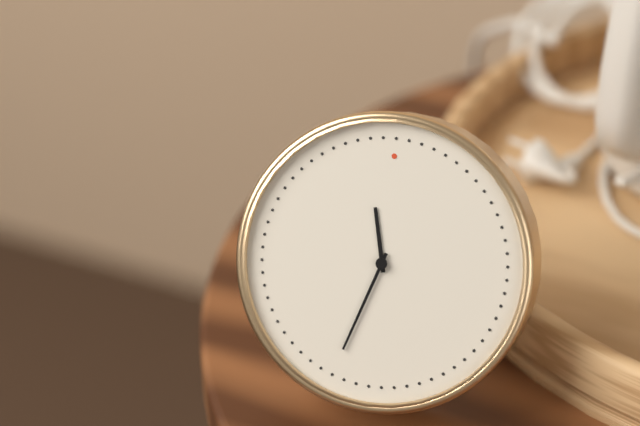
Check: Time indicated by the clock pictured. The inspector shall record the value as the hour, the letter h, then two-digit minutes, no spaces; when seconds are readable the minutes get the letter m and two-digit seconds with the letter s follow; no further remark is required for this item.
11h33
